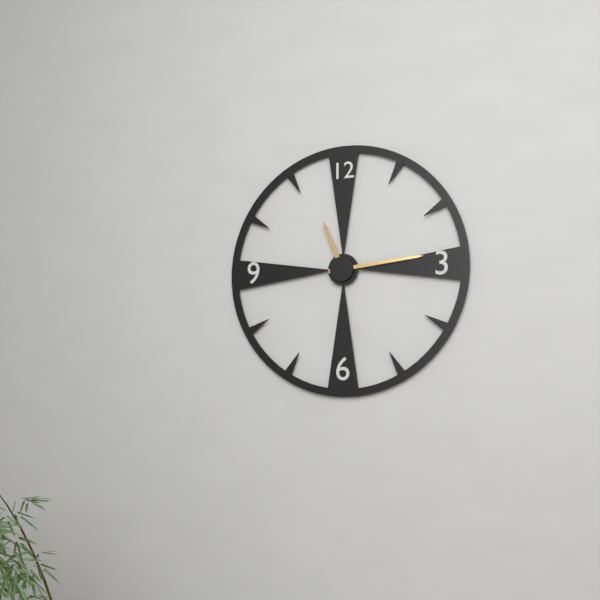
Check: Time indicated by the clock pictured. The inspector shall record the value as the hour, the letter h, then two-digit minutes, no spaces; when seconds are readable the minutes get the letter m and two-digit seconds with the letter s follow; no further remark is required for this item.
11h14
